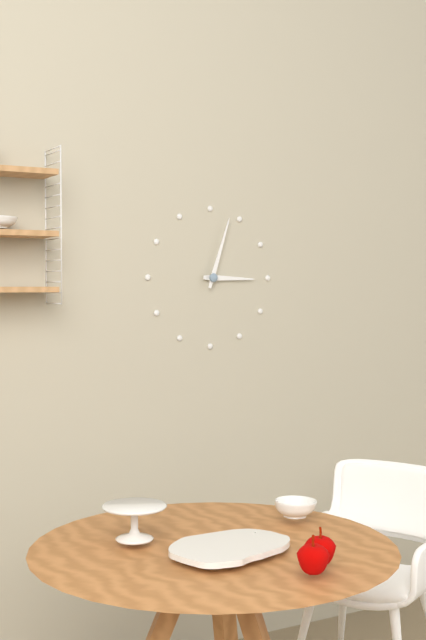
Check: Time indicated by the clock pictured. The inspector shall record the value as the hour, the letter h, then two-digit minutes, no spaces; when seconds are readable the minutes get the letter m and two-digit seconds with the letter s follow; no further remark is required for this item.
3h03
